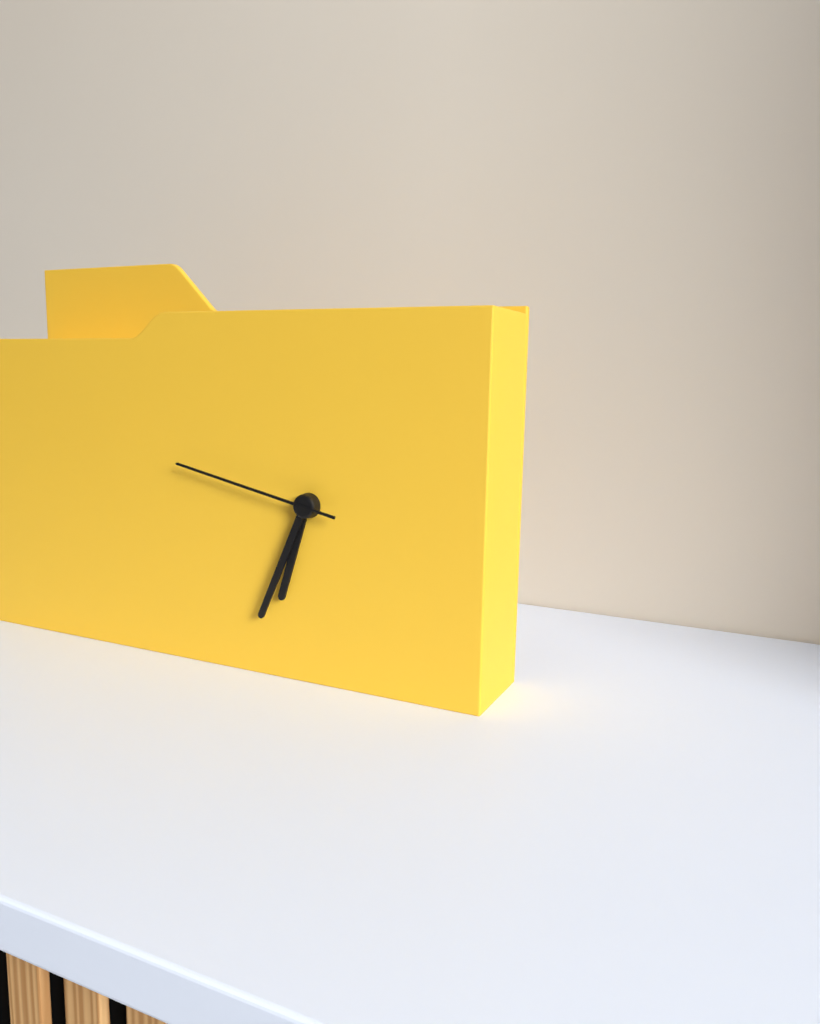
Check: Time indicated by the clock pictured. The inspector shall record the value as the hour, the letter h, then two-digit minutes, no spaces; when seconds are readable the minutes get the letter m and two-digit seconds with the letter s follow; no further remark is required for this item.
6h34m47s
